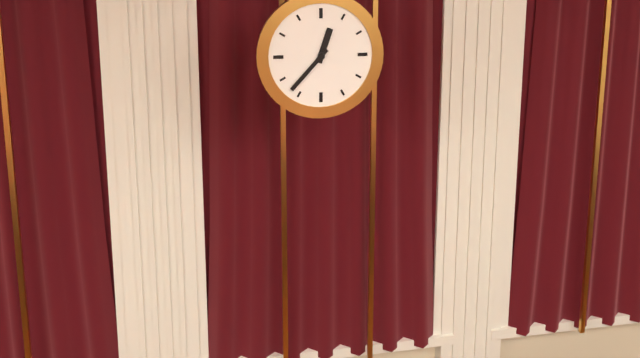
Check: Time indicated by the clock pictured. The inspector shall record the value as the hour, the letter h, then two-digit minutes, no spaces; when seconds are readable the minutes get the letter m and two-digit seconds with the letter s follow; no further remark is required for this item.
12h37
